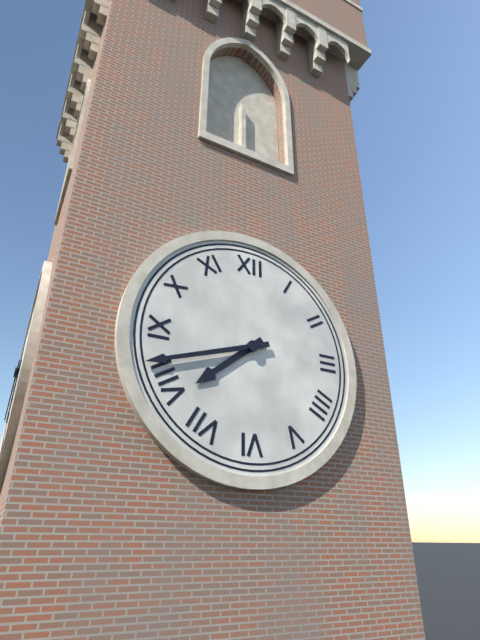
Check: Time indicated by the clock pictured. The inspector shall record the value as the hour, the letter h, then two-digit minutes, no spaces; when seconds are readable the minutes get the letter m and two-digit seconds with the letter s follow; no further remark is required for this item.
7h42
